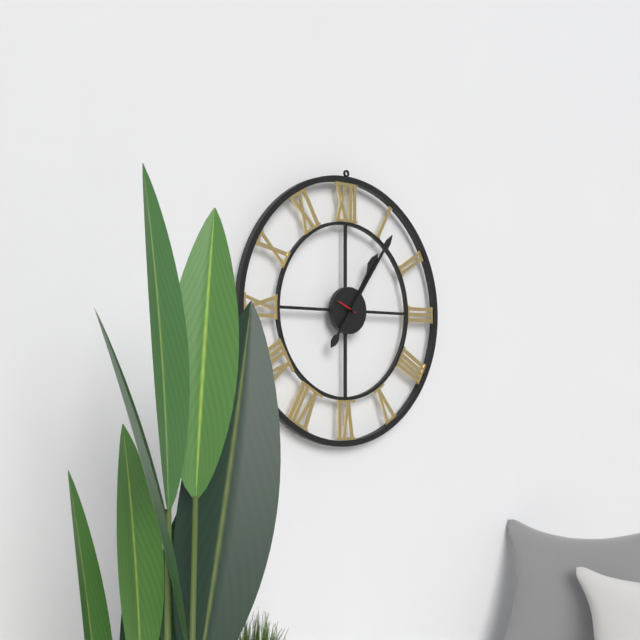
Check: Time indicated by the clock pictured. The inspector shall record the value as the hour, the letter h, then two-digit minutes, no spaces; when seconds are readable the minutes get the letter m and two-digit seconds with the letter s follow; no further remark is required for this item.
1h06
